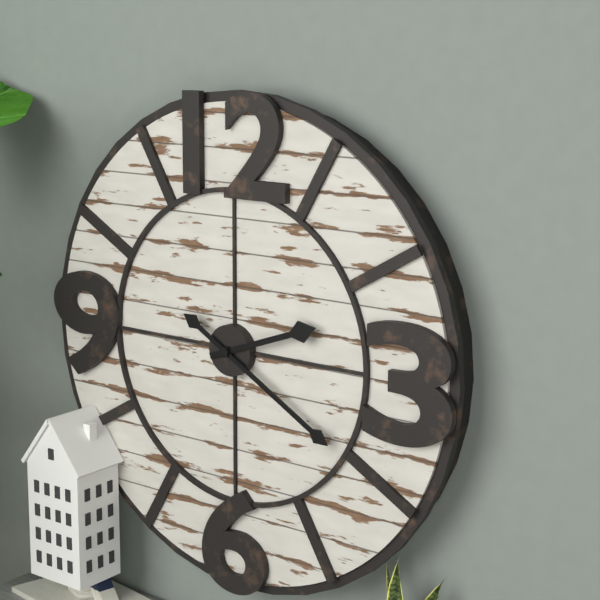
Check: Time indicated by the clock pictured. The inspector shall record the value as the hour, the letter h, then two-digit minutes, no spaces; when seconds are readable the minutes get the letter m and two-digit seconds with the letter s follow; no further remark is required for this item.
2h20
